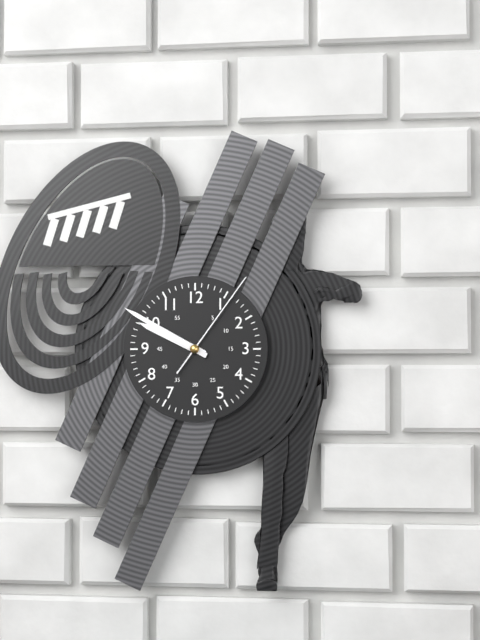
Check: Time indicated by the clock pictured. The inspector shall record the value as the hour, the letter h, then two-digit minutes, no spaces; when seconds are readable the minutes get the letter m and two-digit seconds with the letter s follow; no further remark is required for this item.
9h50m06s
